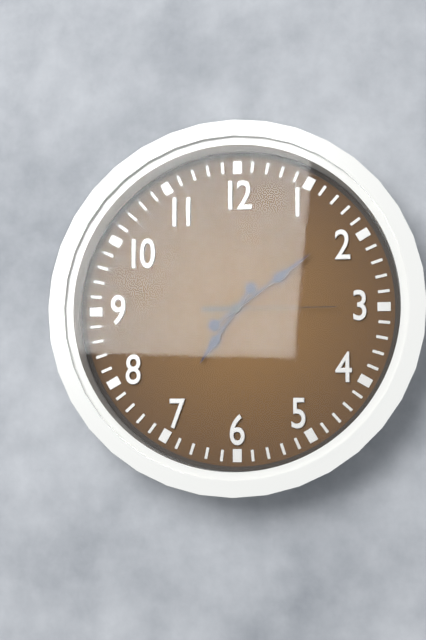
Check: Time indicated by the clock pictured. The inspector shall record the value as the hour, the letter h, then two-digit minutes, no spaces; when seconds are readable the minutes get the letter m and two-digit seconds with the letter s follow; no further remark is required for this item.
7h09m15s
